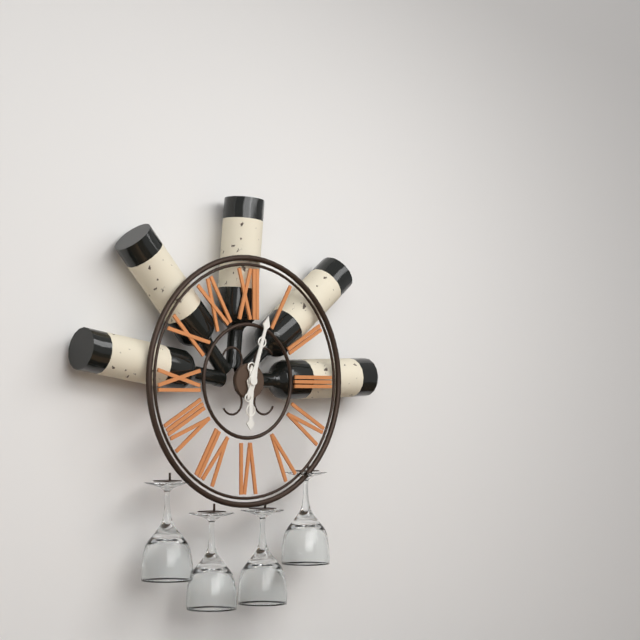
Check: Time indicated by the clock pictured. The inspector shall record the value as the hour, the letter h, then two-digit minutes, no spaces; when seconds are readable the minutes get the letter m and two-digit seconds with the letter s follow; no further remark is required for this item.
6h03
